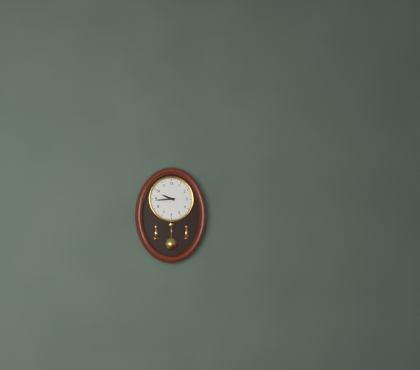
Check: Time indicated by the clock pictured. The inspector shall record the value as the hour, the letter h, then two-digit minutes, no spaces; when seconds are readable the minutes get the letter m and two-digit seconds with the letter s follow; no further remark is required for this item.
9h44
